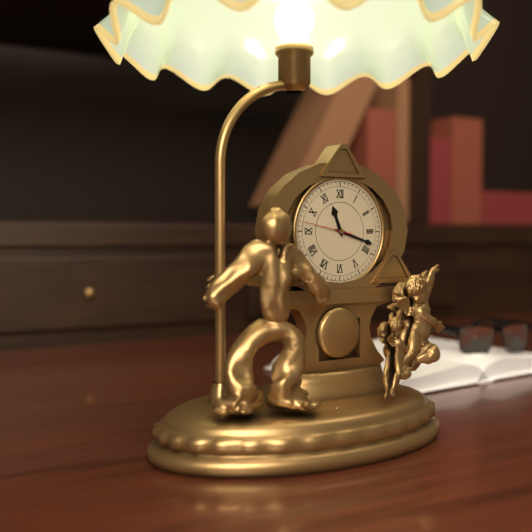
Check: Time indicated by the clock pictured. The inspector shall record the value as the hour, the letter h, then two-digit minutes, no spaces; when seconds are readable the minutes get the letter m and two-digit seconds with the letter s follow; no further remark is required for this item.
11h18
